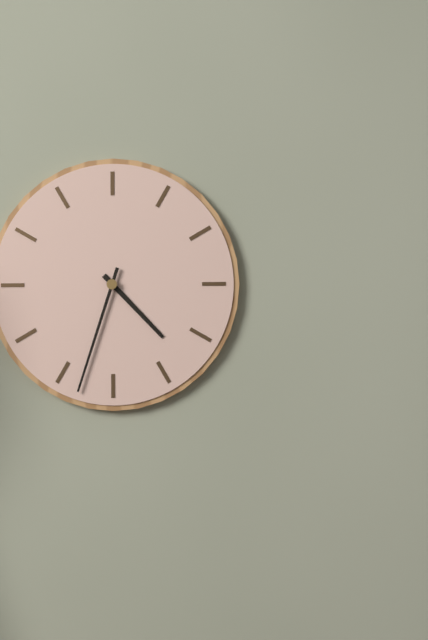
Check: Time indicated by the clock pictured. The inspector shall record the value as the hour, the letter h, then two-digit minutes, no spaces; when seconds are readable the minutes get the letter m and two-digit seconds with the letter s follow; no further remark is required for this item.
4h33
